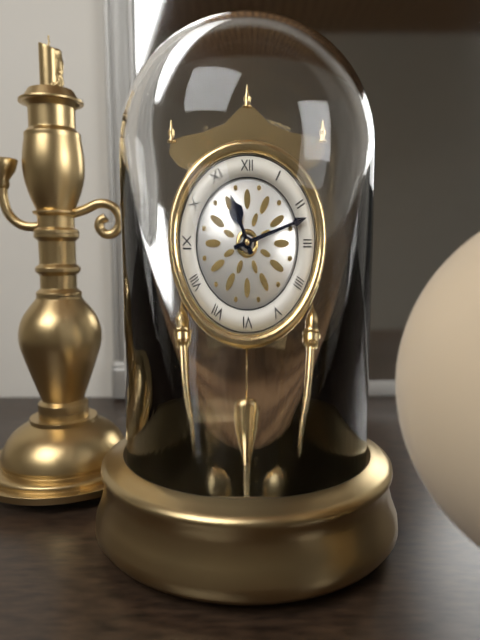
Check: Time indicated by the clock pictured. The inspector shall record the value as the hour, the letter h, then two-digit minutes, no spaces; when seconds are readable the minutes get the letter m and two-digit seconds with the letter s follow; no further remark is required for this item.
11h12
